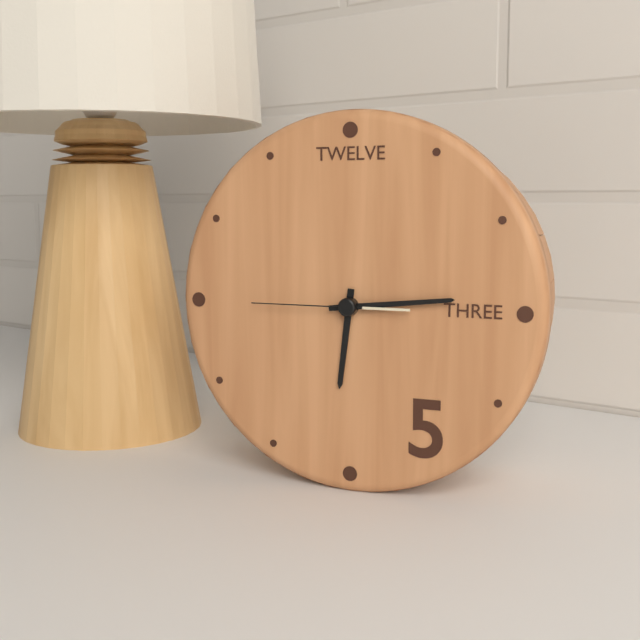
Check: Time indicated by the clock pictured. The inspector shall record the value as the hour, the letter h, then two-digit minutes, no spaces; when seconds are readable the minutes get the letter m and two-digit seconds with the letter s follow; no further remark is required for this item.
6h14m45s
